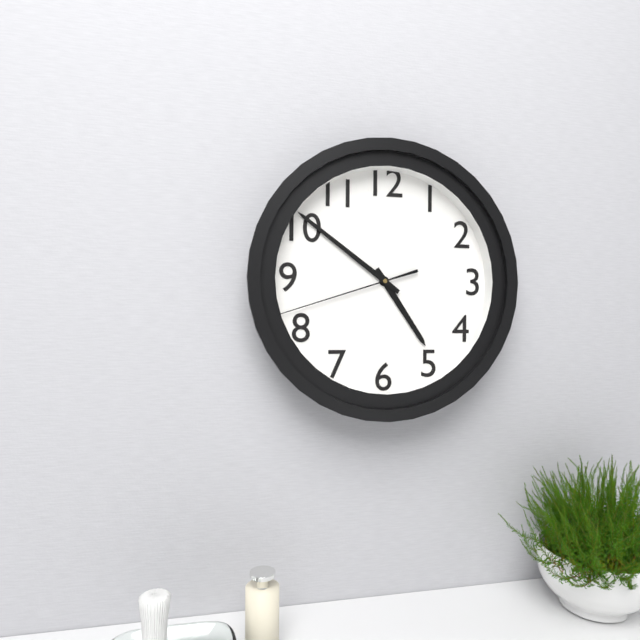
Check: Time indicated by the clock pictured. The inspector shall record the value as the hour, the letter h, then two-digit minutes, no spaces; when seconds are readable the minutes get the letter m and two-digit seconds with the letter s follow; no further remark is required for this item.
4h51m42s
